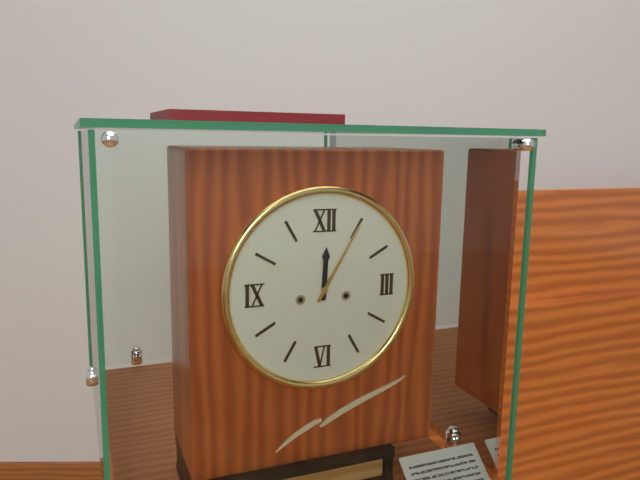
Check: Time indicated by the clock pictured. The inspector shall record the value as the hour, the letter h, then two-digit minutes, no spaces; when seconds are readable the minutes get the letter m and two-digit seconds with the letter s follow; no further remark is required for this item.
12h05
